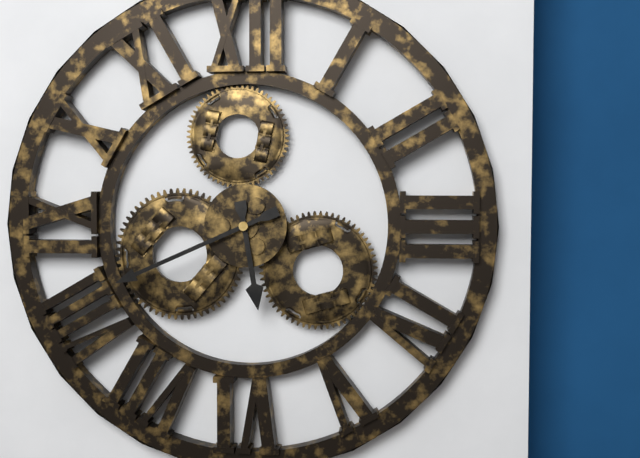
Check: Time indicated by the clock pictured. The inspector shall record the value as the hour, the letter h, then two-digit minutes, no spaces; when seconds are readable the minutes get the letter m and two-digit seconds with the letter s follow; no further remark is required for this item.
5h41
